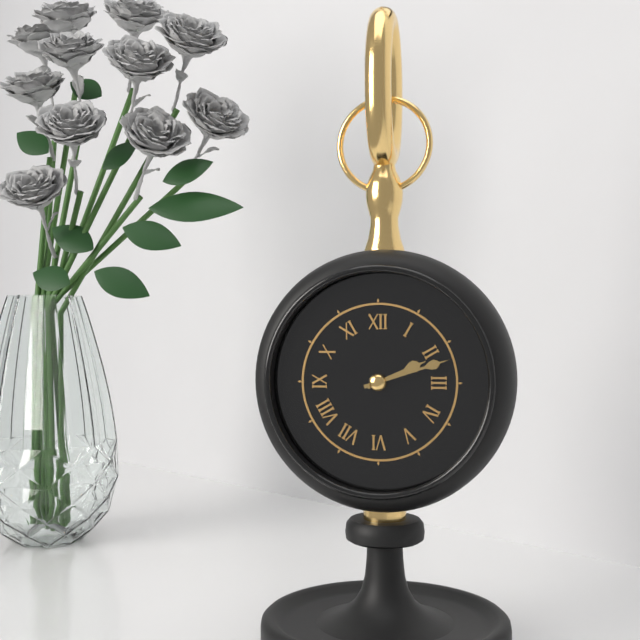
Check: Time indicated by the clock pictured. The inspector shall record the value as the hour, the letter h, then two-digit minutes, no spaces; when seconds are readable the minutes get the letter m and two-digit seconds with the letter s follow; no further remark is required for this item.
2h12
